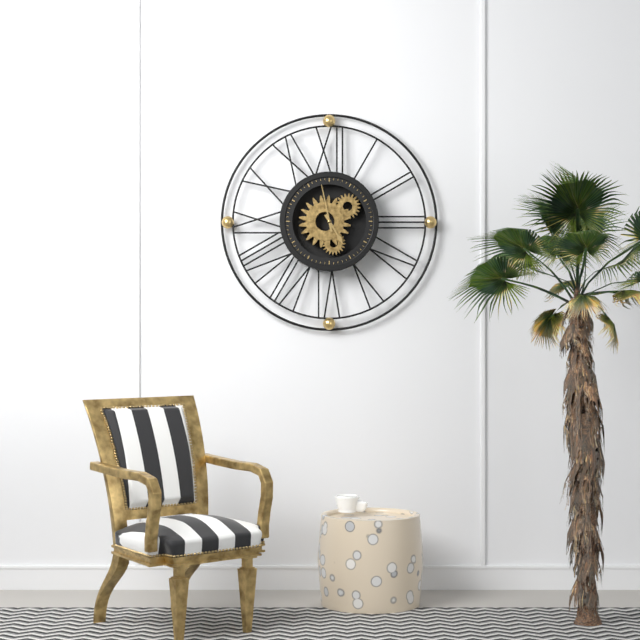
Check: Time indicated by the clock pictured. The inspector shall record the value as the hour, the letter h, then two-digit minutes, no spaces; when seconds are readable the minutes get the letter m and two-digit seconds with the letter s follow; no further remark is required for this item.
4h58
